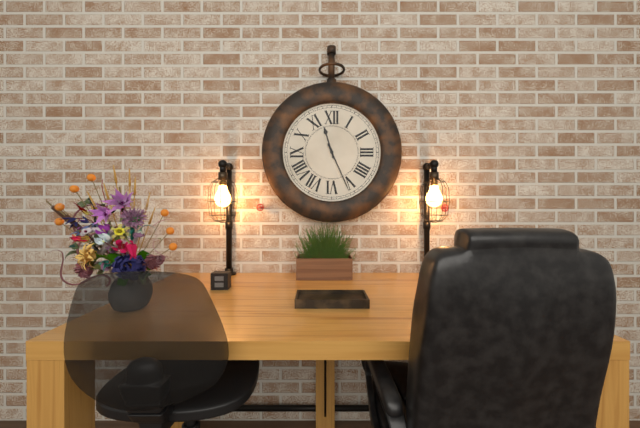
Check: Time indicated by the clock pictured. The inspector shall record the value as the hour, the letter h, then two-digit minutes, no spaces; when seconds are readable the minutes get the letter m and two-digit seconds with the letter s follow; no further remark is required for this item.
11h26
